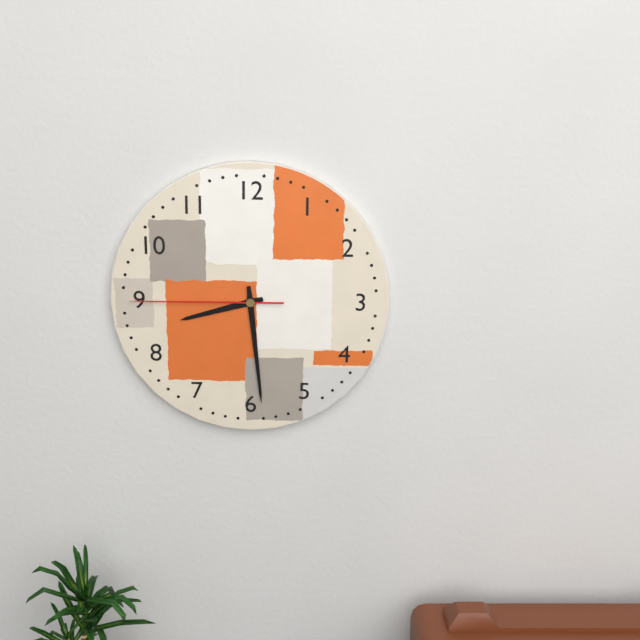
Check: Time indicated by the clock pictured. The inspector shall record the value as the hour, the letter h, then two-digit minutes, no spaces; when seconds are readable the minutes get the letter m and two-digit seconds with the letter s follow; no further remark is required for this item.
8h29m45s
